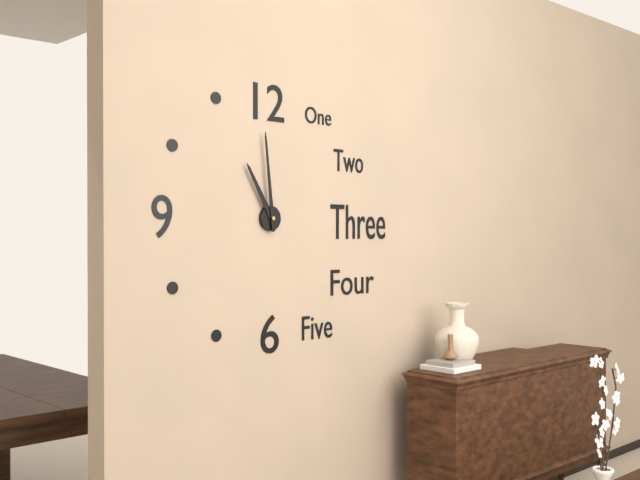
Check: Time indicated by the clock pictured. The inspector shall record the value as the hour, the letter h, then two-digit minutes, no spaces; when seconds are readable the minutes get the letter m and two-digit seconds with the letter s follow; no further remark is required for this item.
10h59
